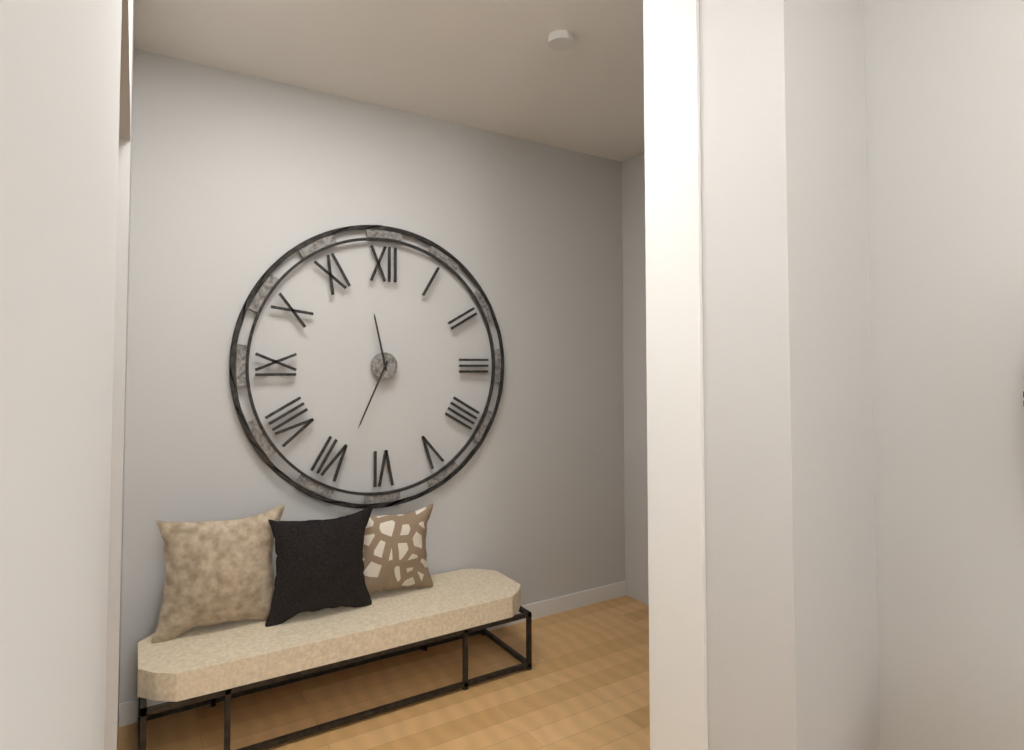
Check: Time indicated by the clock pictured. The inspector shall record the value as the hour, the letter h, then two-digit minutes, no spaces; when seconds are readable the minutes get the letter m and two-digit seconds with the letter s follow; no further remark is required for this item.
11h34
